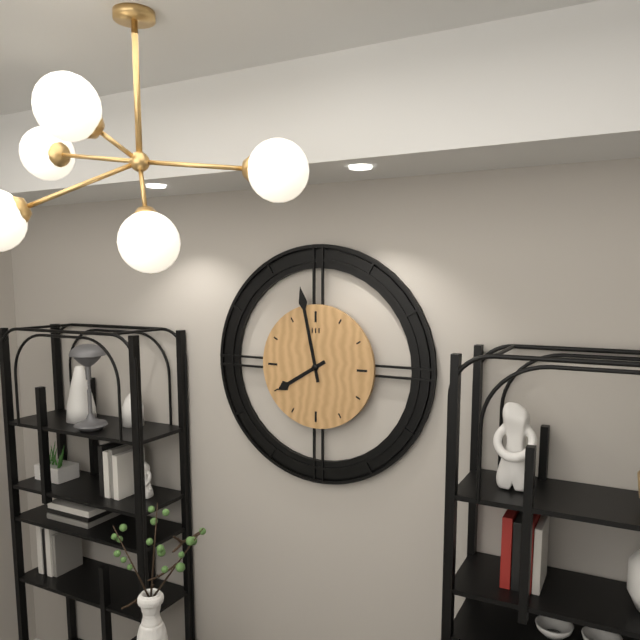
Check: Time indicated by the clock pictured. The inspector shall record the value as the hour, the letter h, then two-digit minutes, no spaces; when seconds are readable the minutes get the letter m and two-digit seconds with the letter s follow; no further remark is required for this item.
7h58
